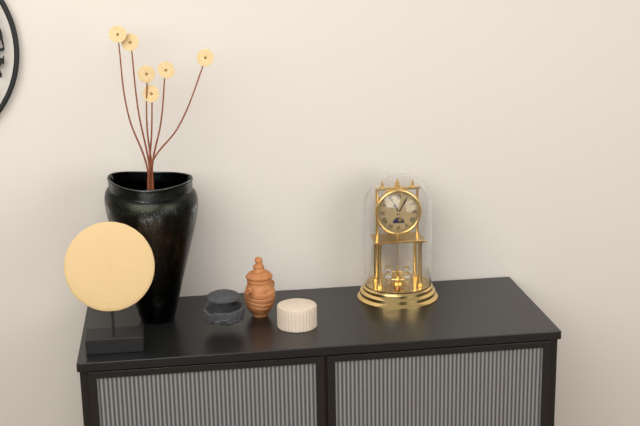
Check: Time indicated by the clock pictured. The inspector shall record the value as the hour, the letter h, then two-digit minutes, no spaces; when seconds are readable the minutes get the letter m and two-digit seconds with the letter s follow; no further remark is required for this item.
11h05
